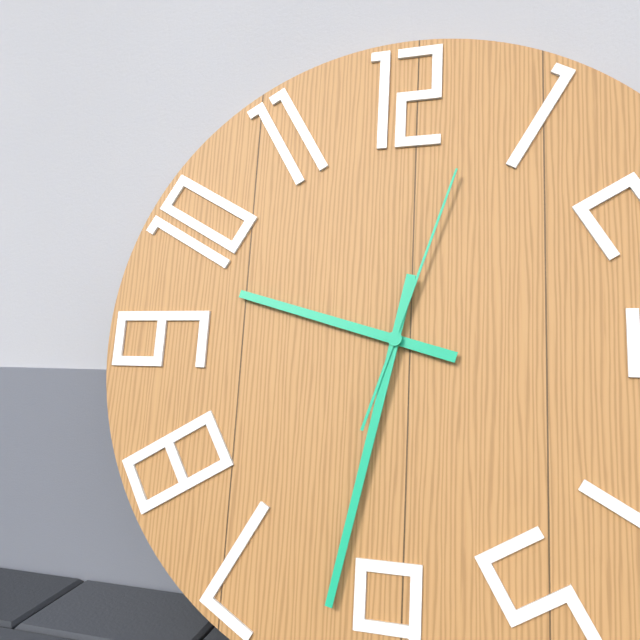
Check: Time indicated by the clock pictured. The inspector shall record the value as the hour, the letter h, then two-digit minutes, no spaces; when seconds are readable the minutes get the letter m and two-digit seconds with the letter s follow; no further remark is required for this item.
9h32m03s
